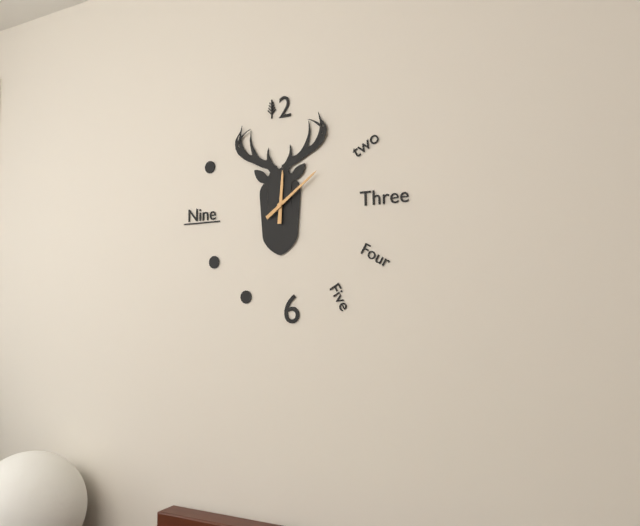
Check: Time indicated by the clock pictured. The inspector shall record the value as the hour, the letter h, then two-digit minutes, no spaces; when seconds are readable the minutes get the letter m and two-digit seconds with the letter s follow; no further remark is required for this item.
12h09
